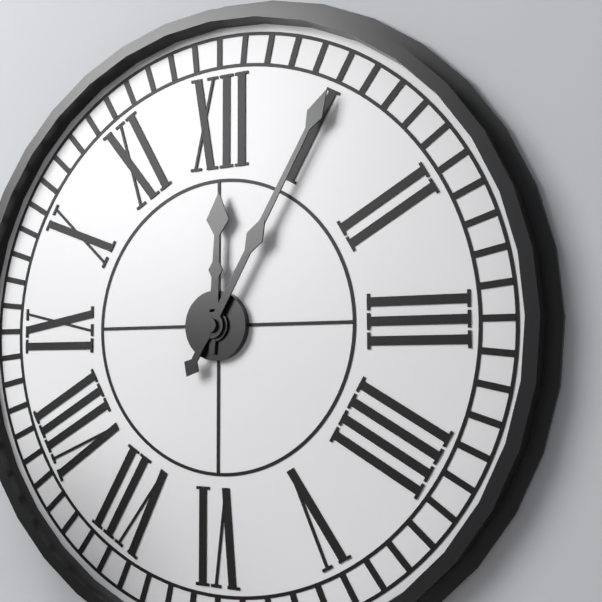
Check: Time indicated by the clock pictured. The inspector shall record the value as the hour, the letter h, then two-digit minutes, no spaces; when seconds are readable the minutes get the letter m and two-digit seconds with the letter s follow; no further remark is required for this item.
12h05
